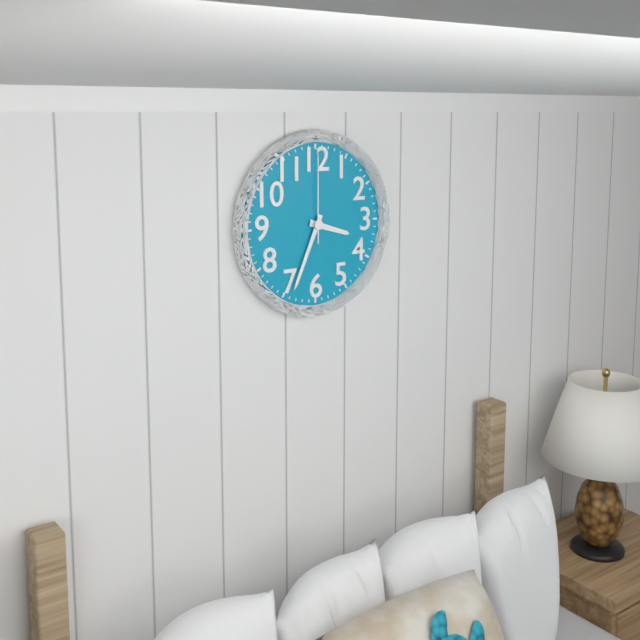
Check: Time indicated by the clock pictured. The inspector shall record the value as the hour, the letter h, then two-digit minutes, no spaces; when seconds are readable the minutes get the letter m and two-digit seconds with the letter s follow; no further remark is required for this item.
3h34m00s
